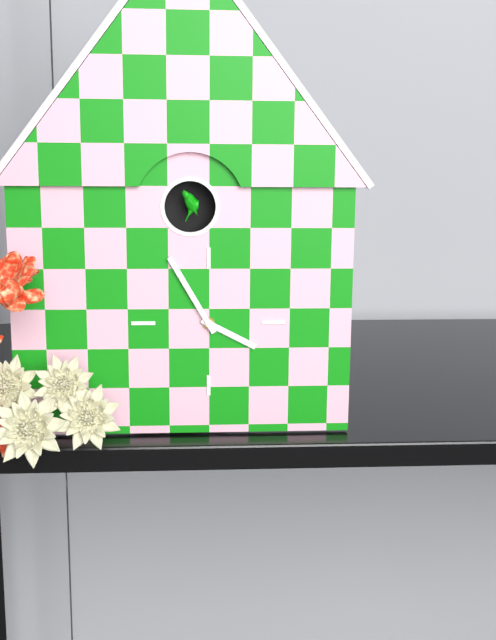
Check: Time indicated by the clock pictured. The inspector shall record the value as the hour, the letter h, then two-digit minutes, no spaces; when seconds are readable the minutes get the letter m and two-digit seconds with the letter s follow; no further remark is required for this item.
3h55
